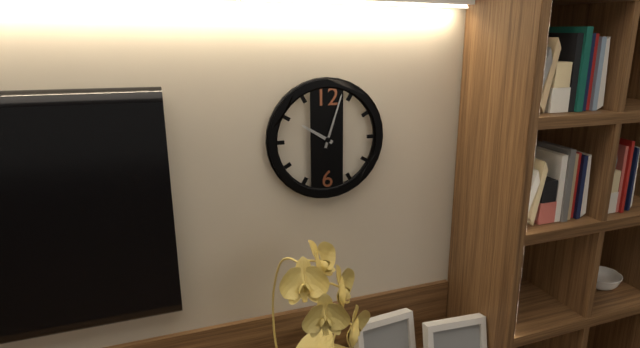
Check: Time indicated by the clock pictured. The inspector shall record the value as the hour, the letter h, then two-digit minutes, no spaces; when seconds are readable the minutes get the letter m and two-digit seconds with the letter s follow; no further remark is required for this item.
10h03
